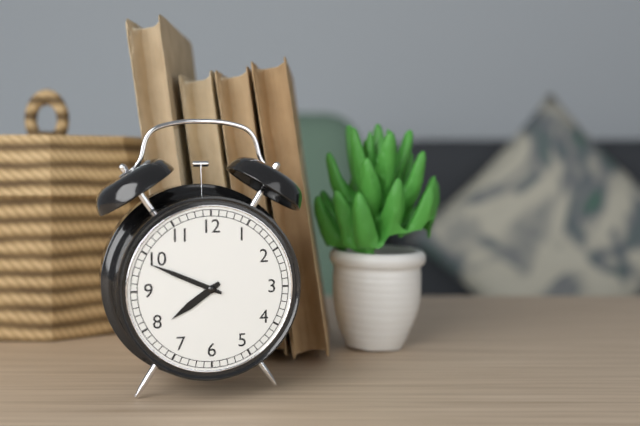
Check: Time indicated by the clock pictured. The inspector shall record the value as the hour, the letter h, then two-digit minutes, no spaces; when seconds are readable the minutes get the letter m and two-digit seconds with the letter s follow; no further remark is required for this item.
7h49
